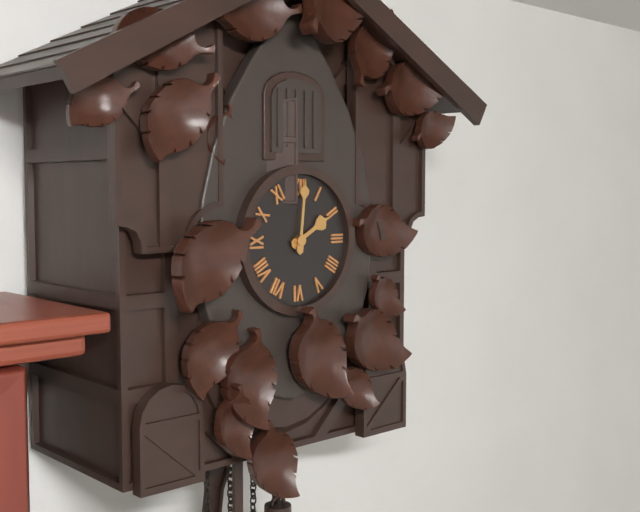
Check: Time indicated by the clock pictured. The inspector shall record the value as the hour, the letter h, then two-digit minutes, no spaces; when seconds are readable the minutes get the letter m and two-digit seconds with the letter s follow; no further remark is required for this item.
2h01
